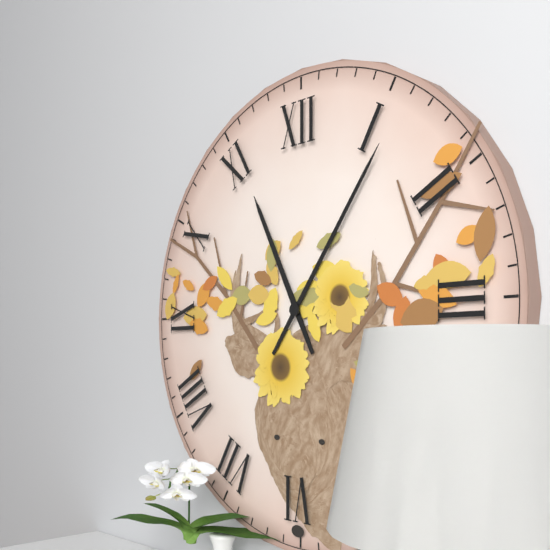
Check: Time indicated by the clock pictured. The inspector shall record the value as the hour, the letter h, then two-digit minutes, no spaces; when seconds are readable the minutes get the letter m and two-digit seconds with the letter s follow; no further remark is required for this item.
11h06
